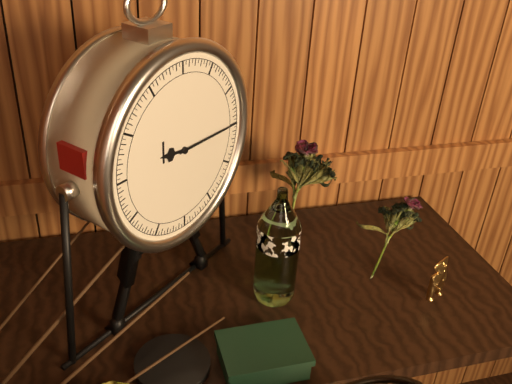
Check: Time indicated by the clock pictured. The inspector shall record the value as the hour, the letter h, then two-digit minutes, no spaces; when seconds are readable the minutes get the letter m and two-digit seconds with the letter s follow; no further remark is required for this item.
9h15
